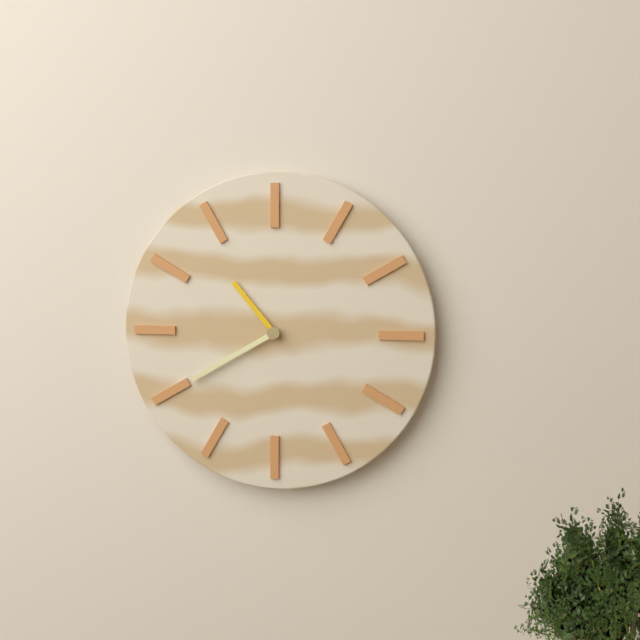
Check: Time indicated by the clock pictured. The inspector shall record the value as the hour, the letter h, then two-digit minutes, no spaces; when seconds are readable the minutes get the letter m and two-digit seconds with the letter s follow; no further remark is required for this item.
10h40
